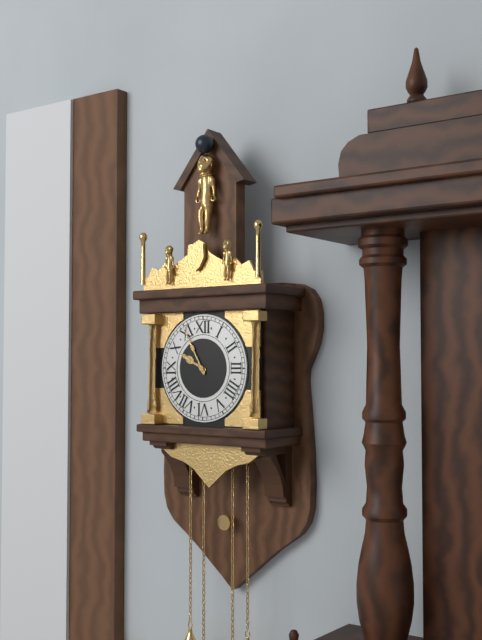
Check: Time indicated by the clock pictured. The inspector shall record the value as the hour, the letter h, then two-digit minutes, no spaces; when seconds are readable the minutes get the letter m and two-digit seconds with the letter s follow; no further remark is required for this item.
9h55
